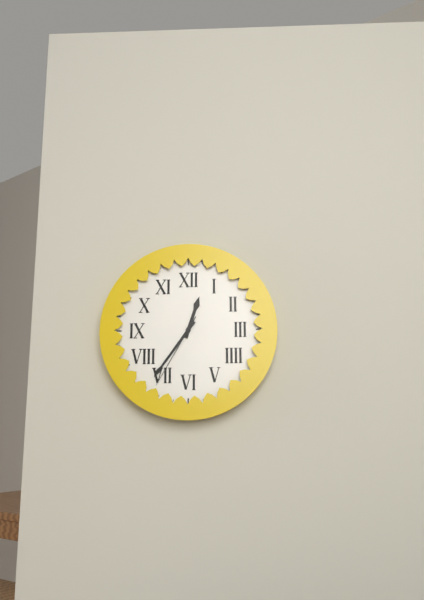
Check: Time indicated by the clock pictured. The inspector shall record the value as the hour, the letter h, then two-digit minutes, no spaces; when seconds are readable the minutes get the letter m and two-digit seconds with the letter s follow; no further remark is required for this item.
12h36m35s
